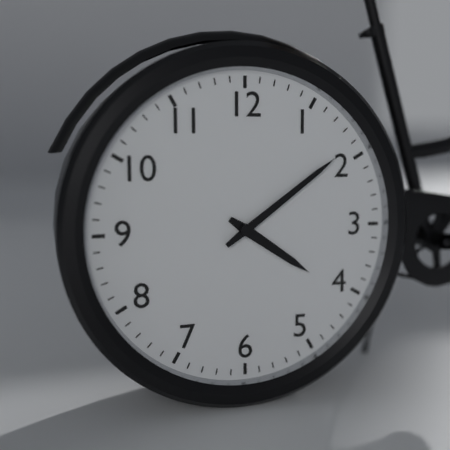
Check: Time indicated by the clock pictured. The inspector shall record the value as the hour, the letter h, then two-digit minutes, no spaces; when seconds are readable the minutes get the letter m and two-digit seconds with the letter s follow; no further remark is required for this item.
4h09
